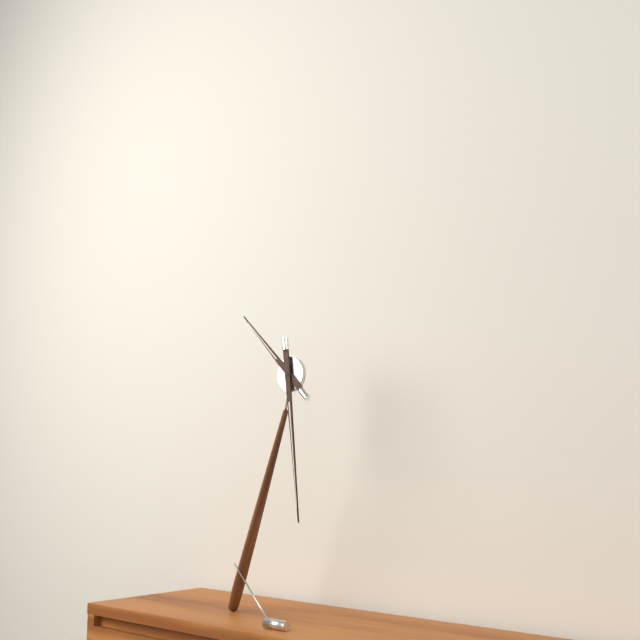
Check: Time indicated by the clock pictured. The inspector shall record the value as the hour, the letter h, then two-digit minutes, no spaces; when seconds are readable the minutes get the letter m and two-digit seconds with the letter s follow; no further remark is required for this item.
10h29
